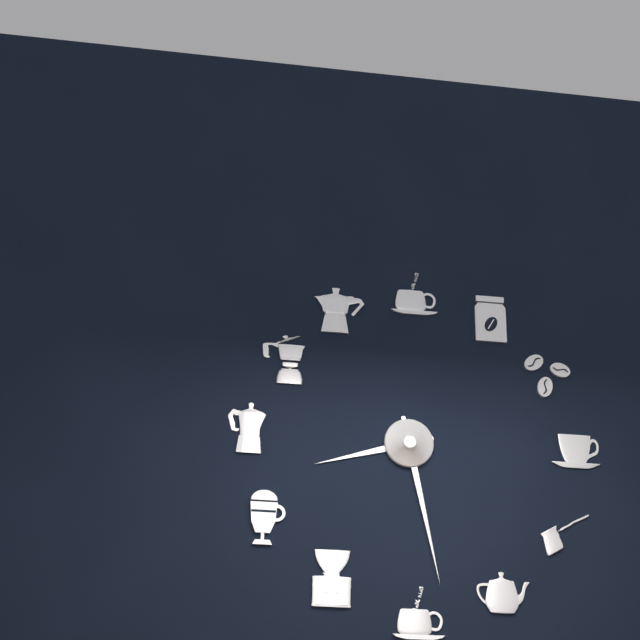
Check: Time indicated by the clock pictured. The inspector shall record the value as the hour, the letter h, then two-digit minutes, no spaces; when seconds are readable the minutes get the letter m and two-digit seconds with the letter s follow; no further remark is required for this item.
8h28
